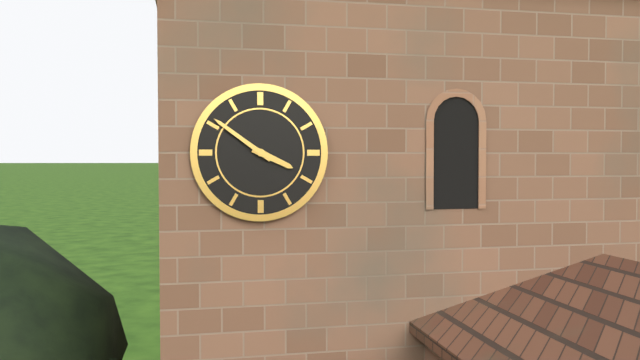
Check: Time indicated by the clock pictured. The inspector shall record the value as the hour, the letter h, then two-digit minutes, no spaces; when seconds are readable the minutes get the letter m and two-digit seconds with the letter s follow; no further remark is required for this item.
3h51
